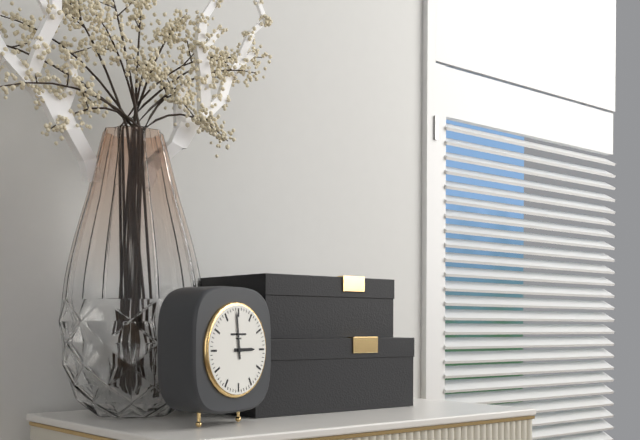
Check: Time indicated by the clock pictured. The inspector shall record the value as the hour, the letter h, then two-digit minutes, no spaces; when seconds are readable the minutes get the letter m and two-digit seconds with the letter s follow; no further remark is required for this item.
2h59
